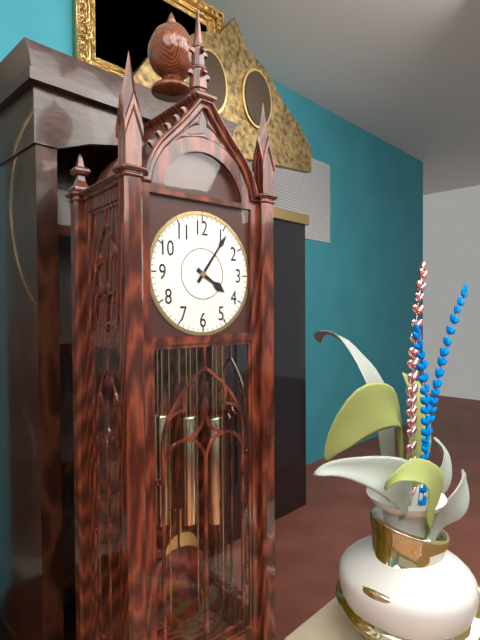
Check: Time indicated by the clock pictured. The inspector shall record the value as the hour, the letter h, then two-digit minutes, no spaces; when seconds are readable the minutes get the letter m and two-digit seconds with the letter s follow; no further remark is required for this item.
4h06
